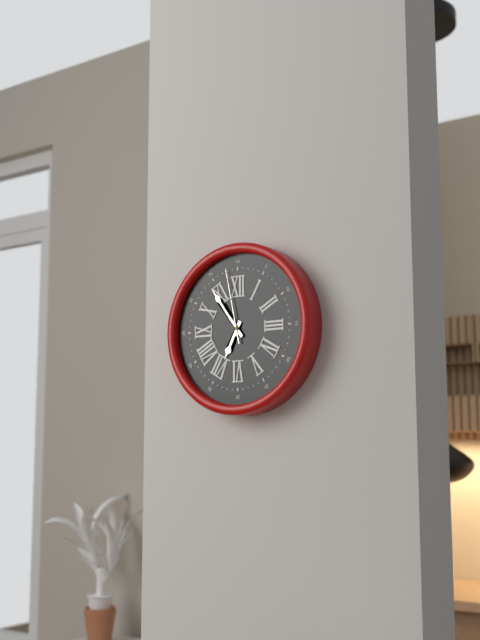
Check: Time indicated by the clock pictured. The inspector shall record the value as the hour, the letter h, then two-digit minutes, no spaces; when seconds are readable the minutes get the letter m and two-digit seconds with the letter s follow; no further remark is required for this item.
6h54m58s
